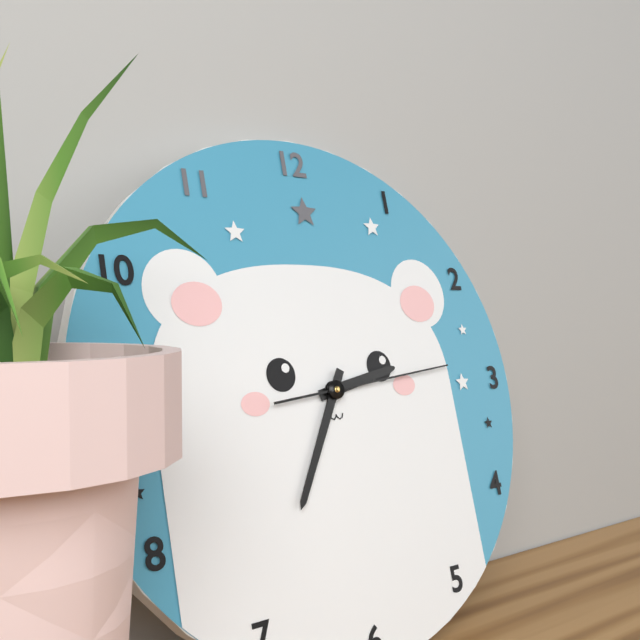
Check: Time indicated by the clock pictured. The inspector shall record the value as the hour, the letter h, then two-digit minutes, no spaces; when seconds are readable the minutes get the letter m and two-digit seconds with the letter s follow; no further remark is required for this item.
2h35m14s
